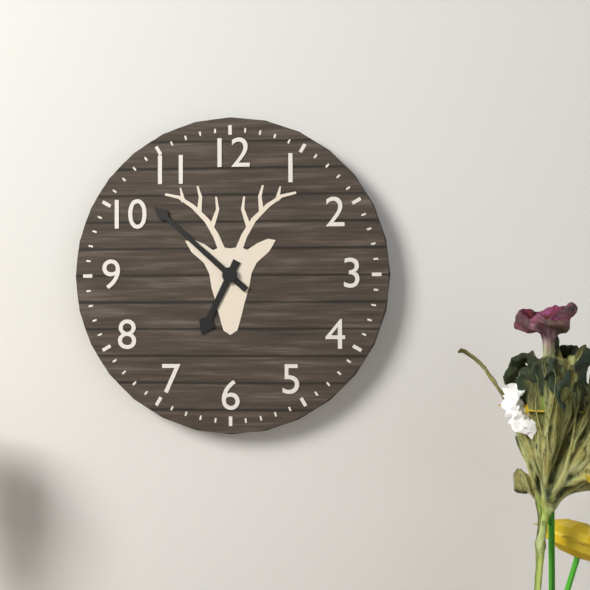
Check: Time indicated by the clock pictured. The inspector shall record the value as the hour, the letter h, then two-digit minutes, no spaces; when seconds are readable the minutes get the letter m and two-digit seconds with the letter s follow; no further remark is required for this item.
6h52
